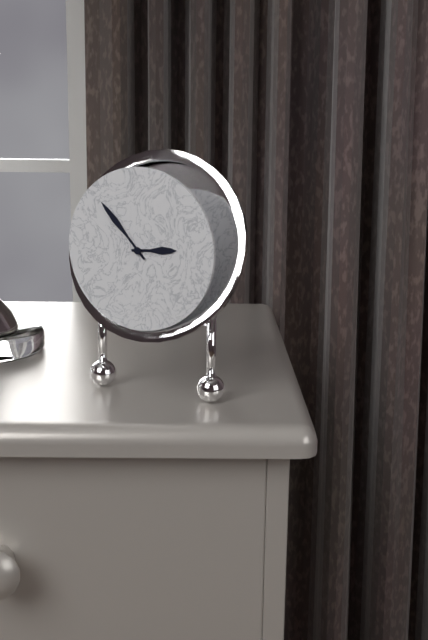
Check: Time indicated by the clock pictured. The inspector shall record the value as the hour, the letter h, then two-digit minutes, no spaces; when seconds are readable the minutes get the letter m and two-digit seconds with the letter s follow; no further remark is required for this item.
2h53
